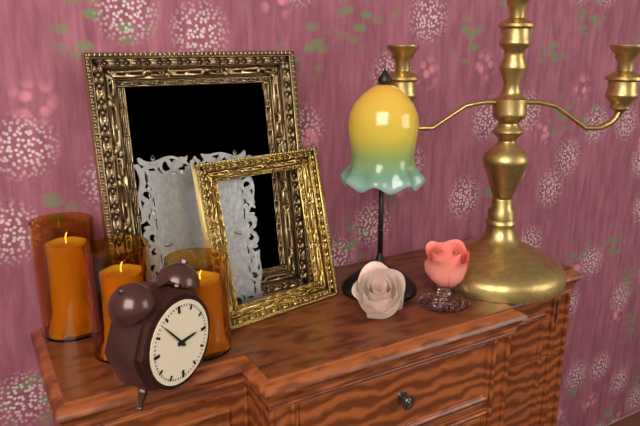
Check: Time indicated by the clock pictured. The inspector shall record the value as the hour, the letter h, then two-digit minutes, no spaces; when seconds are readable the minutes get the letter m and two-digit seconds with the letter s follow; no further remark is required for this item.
2h53
